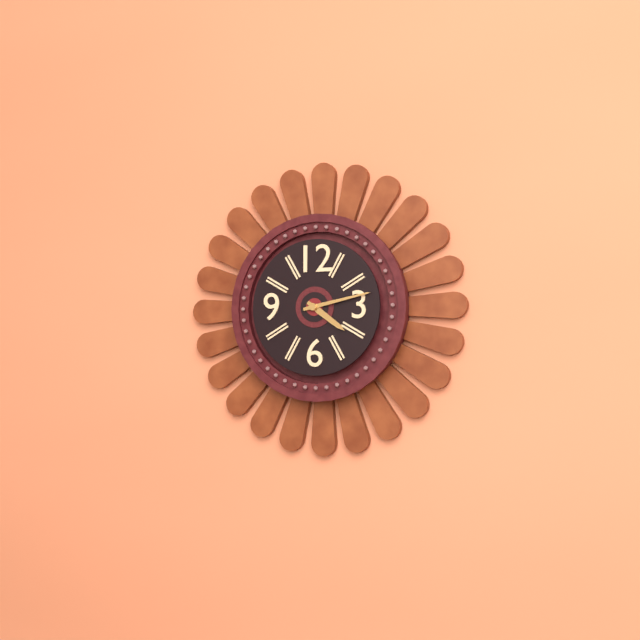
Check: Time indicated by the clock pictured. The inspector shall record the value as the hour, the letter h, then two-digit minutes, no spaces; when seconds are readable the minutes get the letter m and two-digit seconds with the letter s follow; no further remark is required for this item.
4h13
